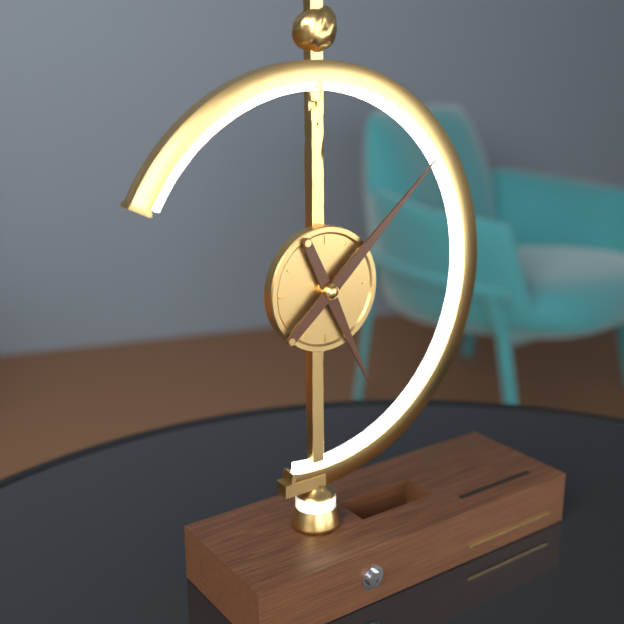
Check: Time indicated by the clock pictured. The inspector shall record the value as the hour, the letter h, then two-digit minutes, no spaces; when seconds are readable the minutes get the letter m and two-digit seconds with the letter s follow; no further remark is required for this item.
5h08
